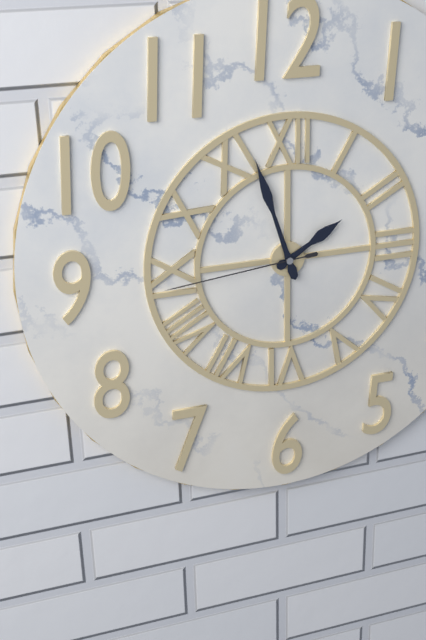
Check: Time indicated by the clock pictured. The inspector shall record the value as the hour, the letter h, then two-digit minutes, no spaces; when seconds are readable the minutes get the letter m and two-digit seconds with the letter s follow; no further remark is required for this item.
1h57m44s
